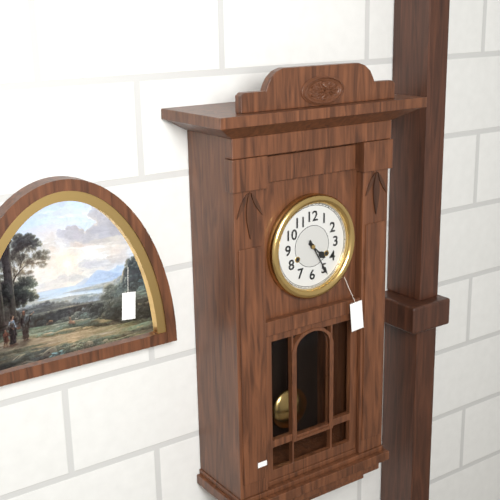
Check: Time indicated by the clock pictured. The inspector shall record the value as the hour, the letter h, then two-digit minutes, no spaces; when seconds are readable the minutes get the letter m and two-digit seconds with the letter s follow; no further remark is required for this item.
4h25
